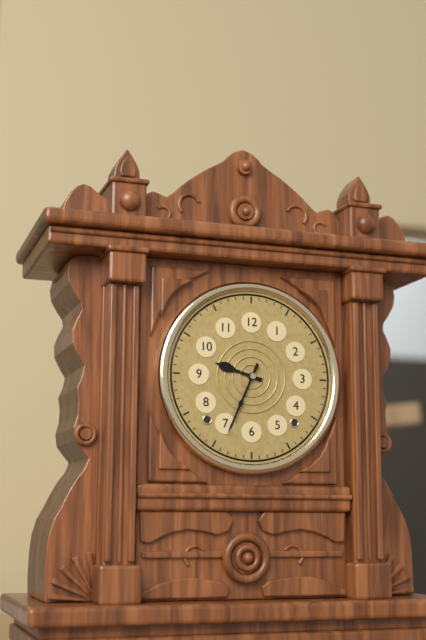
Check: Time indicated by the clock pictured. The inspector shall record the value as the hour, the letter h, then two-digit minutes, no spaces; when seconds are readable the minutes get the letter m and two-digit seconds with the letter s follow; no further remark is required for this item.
9h34
